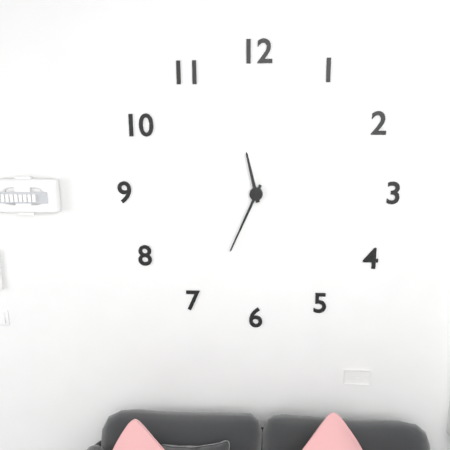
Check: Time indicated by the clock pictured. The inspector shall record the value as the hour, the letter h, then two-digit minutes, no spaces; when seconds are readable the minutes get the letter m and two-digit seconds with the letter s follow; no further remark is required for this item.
11h34
